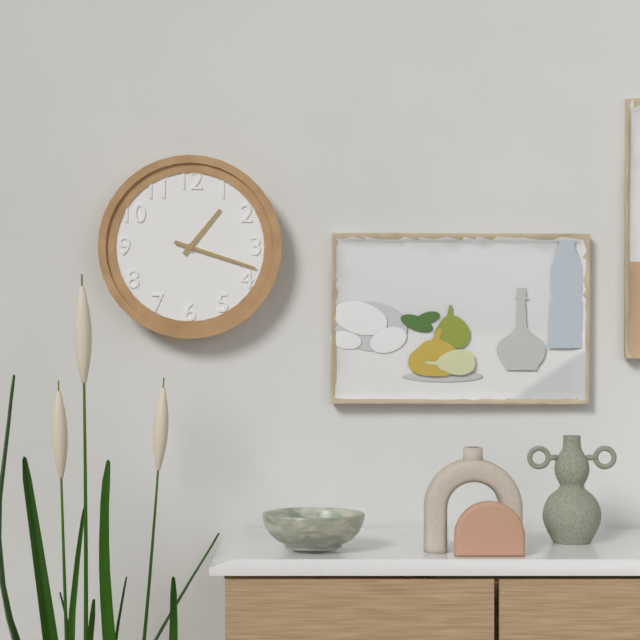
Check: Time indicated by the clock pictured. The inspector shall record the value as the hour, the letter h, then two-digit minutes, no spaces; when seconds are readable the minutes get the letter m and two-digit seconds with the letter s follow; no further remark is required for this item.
1h18
